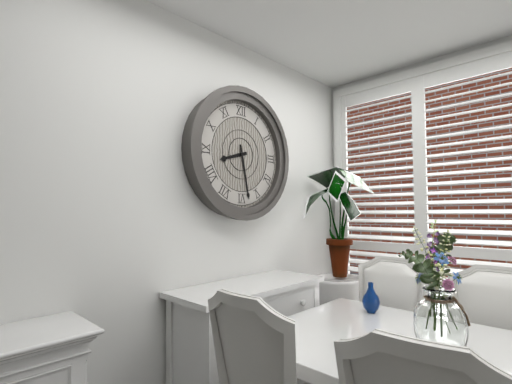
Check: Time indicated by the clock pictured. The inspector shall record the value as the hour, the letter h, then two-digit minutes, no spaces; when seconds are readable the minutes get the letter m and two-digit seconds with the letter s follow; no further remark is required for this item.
8h28
